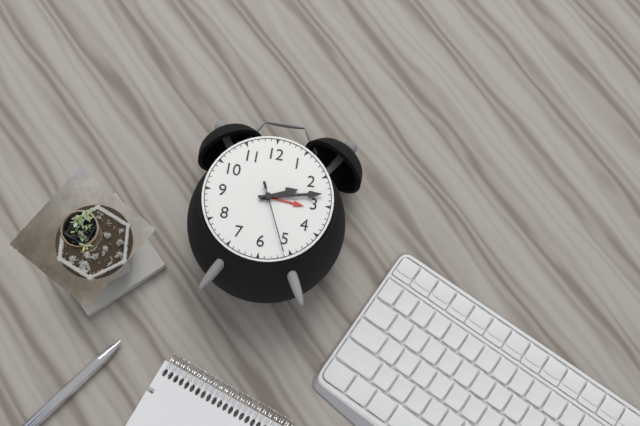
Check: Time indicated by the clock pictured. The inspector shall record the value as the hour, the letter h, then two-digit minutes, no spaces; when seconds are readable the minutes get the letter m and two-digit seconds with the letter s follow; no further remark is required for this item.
2h13m26s
